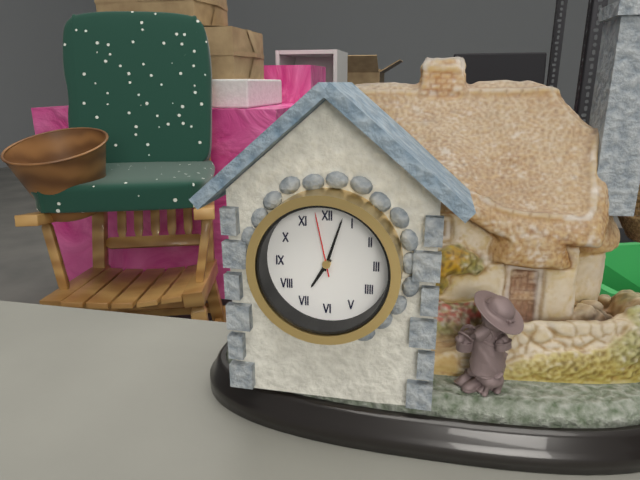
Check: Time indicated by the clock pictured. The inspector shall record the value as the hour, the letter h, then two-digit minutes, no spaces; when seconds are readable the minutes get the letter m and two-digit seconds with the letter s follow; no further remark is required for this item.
7h03m58s
